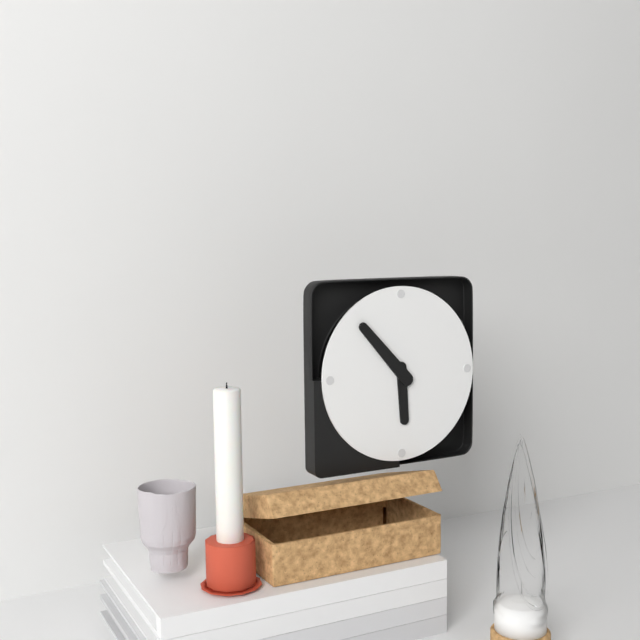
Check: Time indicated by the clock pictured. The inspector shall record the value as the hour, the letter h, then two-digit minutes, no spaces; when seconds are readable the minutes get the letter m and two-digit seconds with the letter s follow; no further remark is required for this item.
5h53
